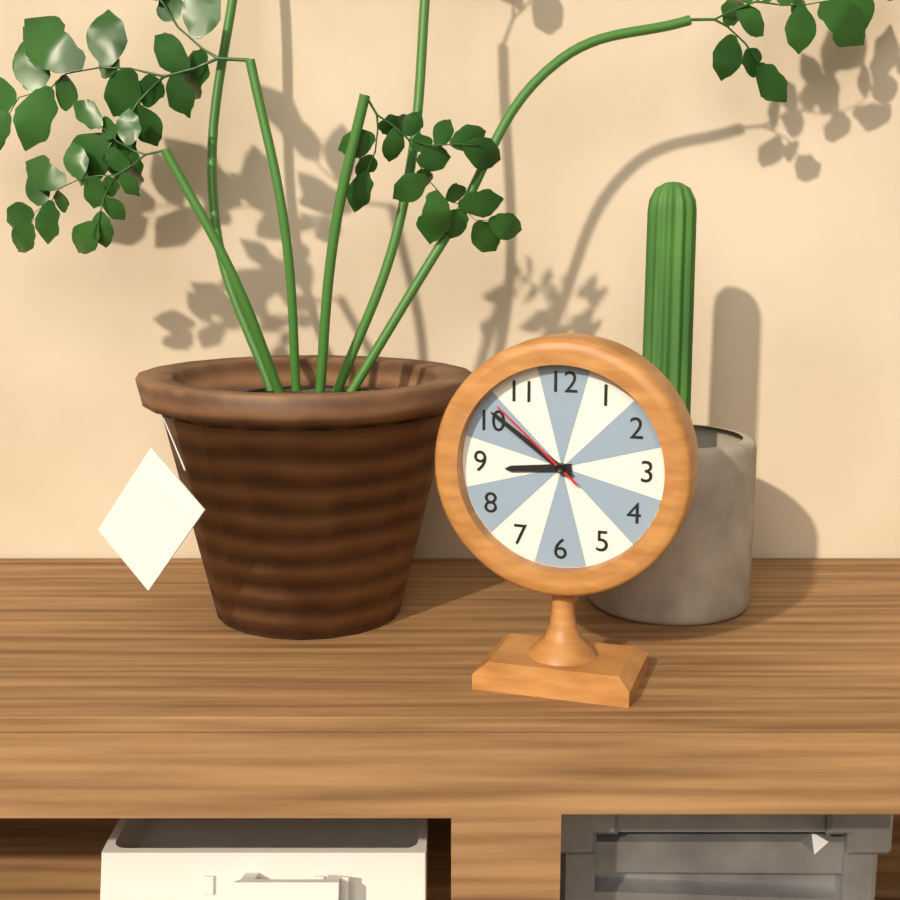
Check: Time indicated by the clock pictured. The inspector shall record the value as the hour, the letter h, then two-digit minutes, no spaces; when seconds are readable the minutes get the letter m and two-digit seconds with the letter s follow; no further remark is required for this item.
8h51m52s
